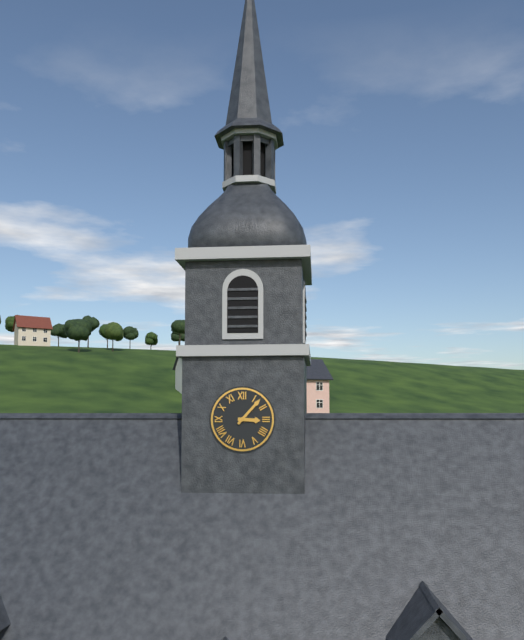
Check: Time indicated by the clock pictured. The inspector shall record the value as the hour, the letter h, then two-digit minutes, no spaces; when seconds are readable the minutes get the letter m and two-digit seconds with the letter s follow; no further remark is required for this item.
3h07
